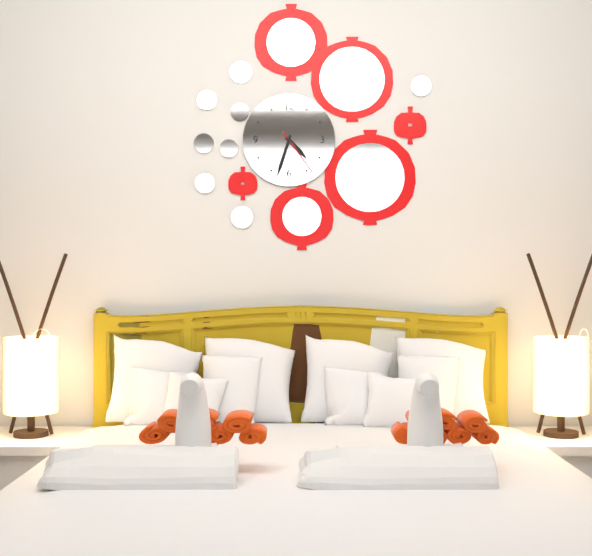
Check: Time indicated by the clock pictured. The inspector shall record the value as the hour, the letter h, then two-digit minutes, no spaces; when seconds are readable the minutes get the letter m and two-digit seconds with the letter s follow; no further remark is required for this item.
4h33m24s
